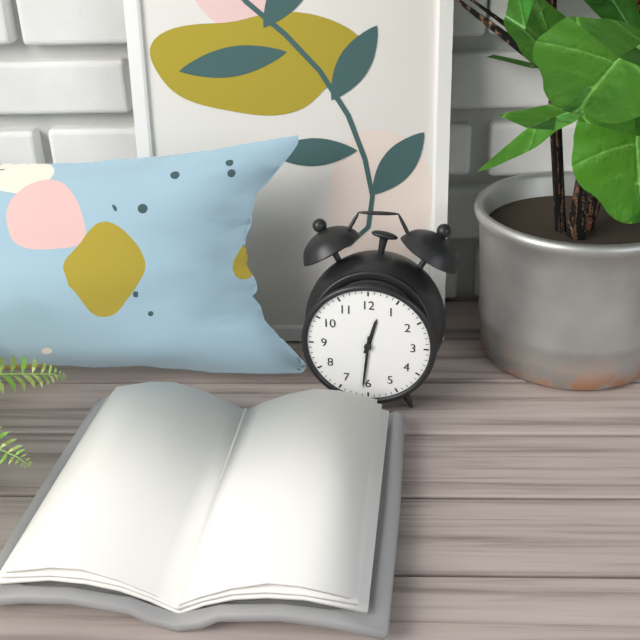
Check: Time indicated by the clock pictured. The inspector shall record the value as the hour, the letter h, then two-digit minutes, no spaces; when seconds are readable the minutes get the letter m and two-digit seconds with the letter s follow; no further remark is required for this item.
12h31
